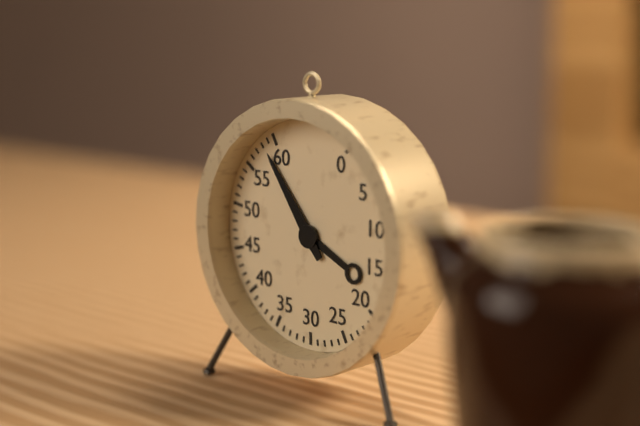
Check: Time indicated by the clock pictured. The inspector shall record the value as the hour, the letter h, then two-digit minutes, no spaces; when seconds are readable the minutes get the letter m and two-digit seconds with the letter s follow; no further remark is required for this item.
3h54
